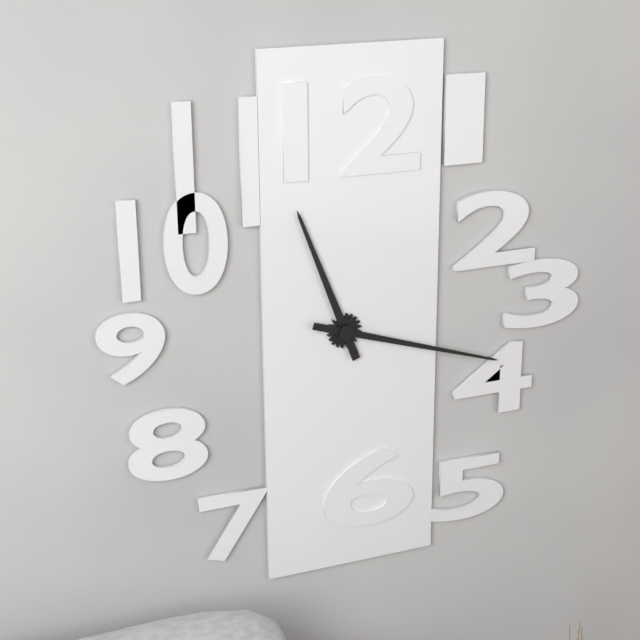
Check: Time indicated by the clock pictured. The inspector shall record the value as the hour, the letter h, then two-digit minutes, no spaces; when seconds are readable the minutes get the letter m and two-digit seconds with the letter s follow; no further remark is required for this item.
11h18
